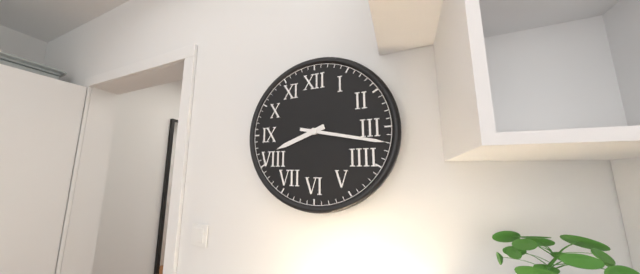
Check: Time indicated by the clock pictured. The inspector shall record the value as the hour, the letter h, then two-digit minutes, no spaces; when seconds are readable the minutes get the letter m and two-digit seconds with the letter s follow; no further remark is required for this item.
8h17
